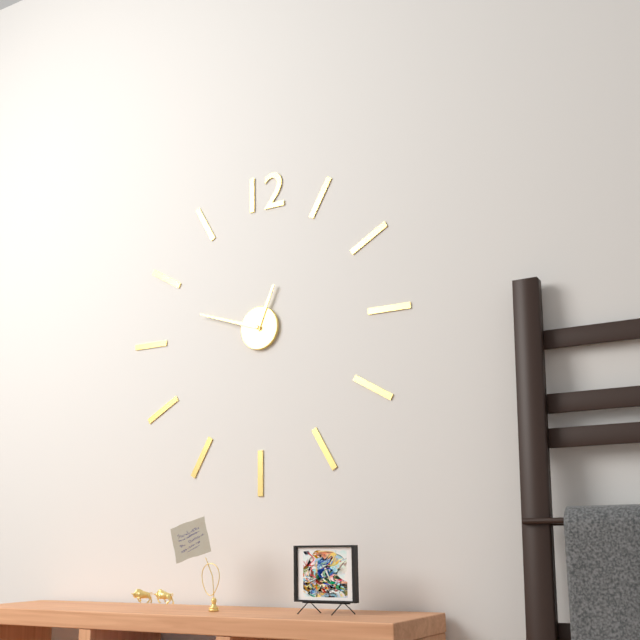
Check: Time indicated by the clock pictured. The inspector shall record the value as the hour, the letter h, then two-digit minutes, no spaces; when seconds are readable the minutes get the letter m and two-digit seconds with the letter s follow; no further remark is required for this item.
12h48
